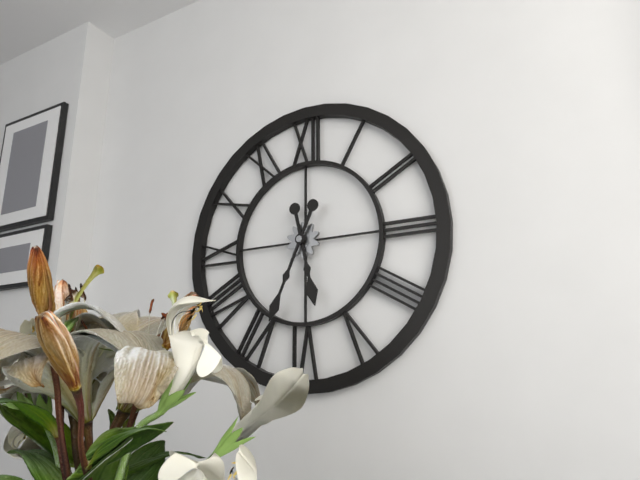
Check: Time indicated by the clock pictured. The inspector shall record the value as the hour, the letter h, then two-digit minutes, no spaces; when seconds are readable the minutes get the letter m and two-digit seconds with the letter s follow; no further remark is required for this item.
5h34
